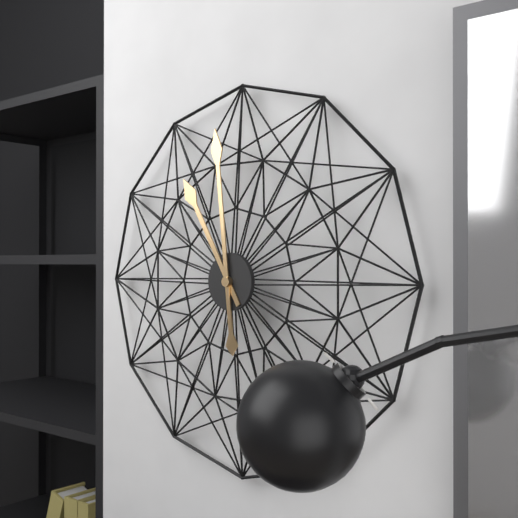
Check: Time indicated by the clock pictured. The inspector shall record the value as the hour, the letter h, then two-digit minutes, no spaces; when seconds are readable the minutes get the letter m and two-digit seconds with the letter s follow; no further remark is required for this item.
10h59
